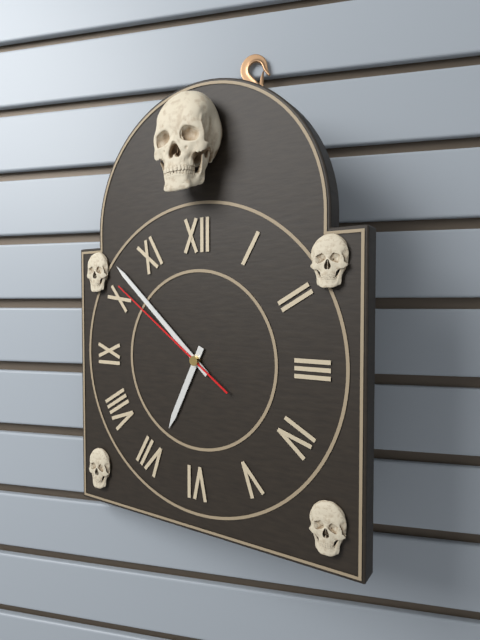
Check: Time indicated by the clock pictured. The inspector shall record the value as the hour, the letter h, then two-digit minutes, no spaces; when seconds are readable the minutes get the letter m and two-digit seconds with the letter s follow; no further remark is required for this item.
6h52m51s
